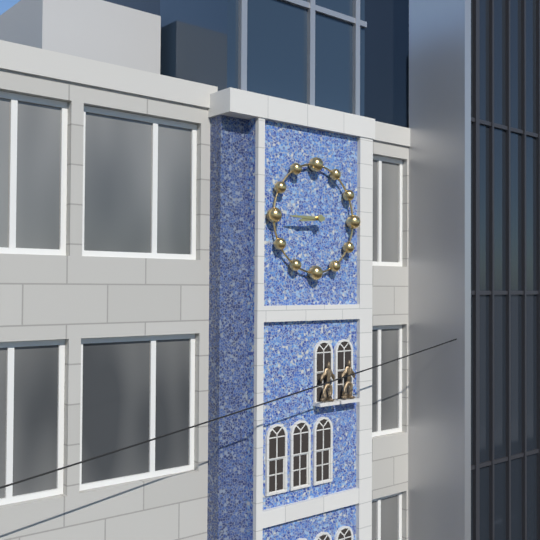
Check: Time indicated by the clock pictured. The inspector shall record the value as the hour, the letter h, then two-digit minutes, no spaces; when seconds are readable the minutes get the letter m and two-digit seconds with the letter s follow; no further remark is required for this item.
8h45
